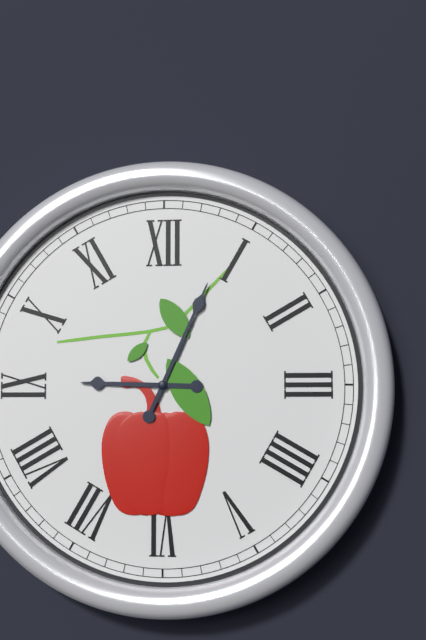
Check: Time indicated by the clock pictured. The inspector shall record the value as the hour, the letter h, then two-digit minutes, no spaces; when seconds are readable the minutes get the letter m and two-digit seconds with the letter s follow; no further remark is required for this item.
9h04
